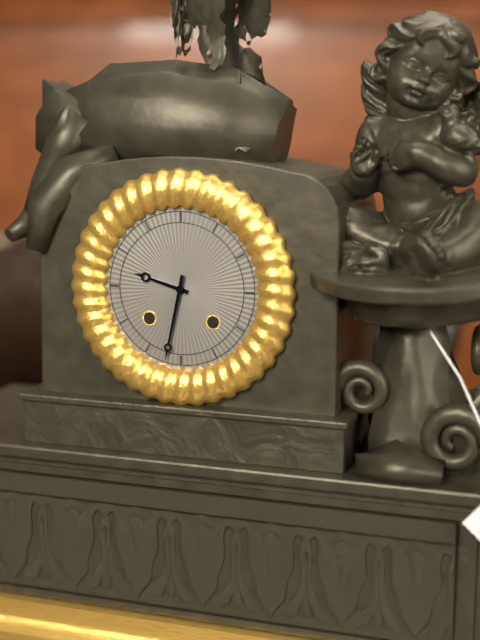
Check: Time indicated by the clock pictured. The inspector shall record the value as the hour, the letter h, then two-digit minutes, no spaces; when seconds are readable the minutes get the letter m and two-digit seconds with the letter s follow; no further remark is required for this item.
9h32
